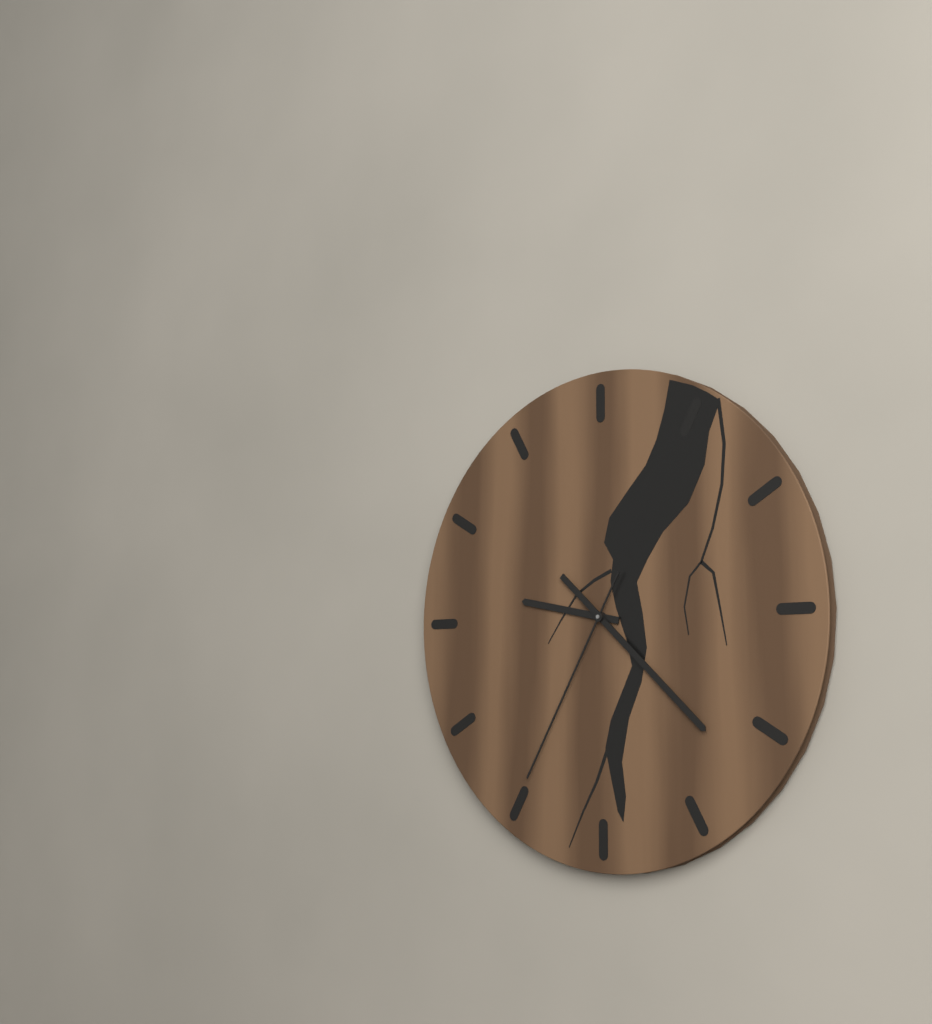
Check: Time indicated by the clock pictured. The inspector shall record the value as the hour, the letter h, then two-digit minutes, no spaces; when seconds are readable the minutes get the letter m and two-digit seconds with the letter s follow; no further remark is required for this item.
9h22m35s
